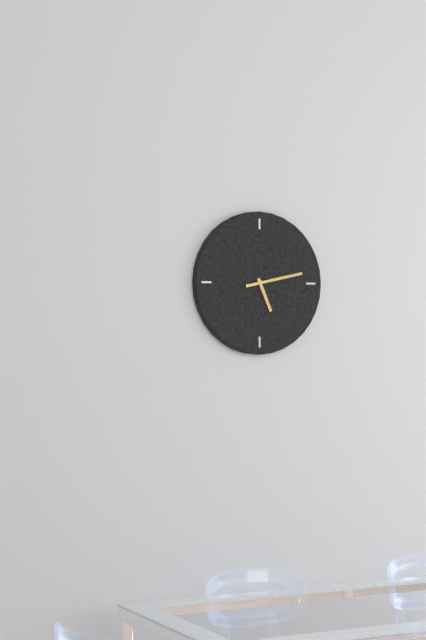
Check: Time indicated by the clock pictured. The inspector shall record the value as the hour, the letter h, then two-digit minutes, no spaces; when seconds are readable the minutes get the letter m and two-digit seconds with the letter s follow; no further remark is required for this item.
5h13
